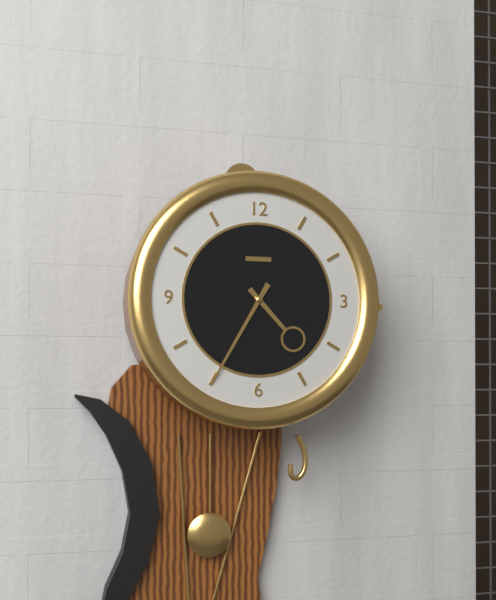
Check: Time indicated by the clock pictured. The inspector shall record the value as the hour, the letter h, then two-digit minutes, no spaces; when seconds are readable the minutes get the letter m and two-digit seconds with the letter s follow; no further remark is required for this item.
4h35
